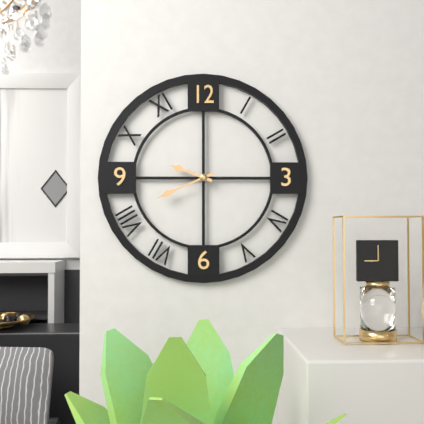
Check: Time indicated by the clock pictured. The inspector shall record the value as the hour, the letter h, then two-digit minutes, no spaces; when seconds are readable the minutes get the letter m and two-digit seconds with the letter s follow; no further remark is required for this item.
9h41
